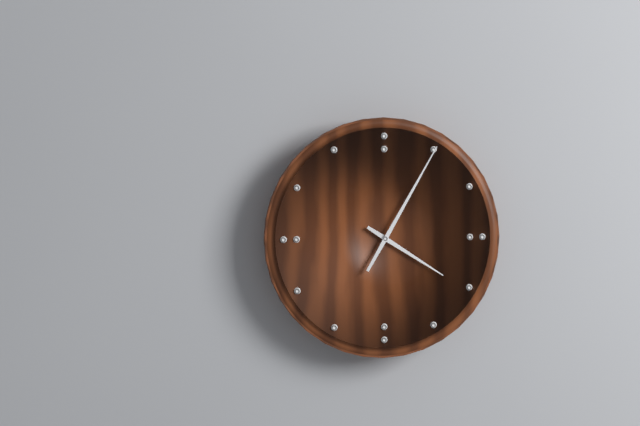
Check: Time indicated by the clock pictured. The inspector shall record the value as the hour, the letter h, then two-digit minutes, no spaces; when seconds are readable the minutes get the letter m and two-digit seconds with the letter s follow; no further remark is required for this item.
4h05
